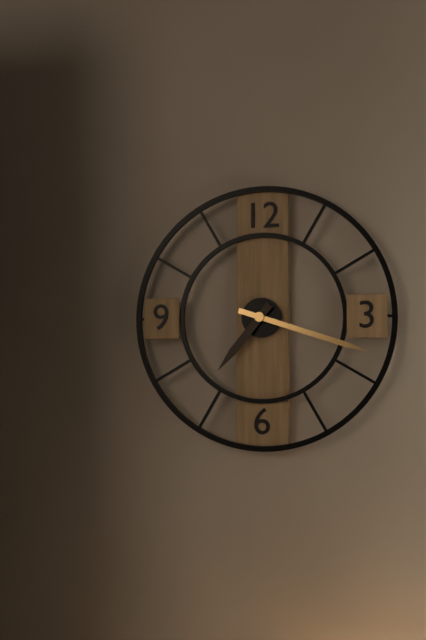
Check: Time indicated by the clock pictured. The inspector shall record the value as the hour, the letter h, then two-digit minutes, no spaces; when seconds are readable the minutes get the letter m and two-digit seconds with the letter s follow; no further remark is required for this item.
7h18
